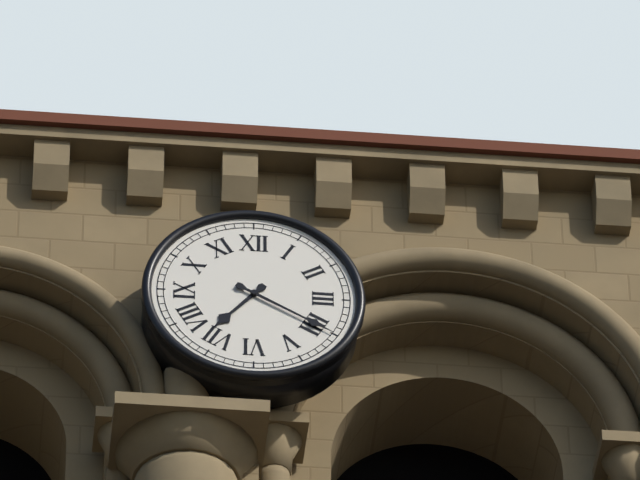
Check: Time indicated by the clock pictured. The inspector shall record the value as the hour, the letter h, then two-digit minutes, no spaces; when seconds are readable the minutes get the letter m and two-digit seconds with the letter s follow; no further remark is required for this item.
7h20
